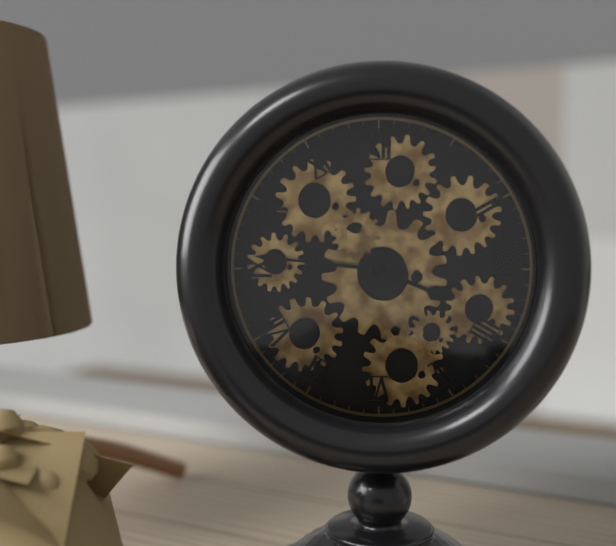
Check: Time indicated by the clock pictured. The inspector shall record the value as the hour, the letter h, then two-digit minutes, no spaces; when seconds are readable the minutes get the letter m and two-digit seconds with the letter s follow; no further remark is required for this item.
3h46
